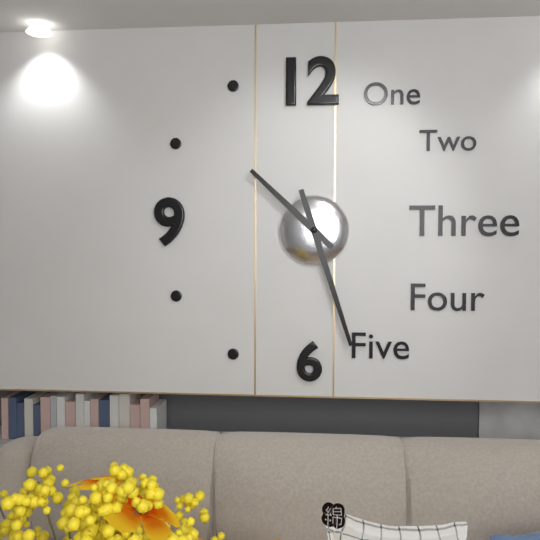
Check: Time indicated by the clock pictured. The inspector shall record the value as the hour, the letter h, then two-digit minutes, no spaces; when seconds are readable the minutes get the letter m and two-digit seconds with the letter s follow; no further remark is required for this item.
10h27
